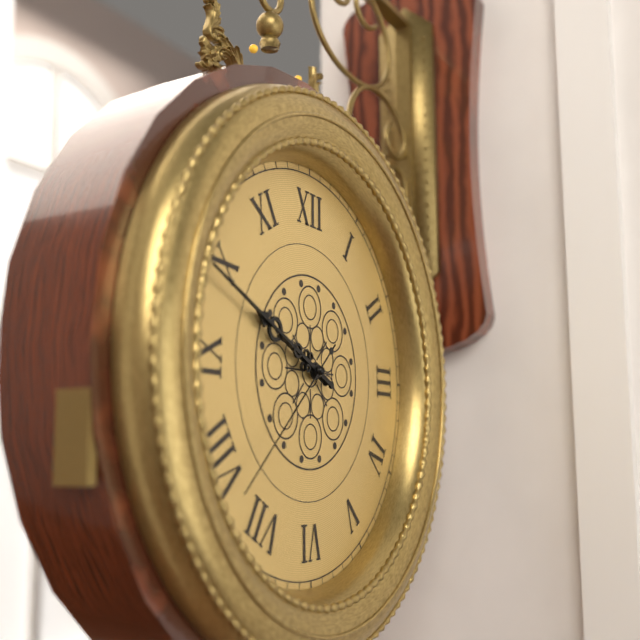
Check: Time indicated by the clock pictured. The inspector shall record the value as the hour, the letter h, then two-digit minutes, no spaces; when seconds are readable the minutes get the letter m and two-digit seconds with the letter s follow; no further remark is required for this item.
9h49m38s
